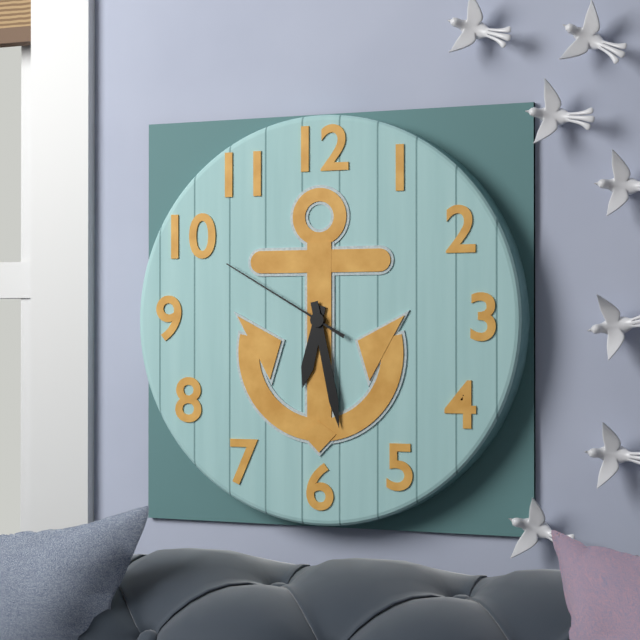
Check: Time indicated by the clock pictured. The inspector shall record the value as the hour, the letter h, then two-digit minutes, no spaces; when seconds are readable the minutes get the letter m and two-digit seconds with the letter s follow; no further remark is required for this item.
6h28m50s
